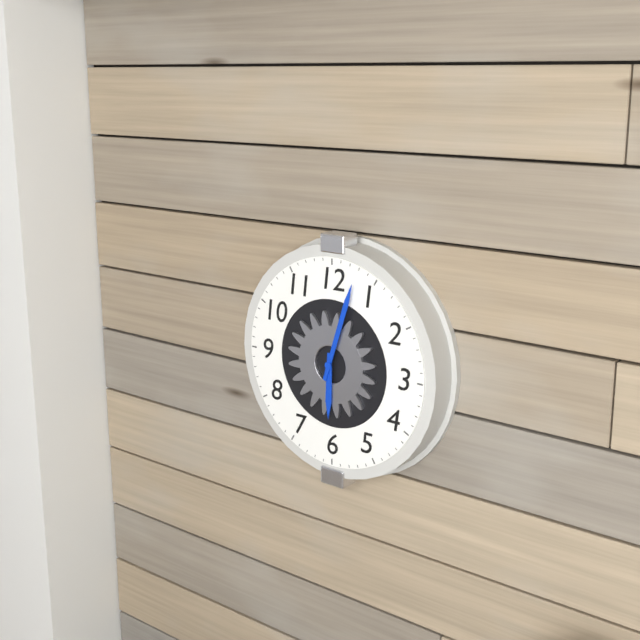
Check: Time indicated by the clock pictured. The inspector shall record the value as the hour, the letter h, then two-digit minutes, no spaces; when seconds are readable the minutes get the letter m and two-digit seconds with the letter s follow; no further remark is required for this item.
6h03
